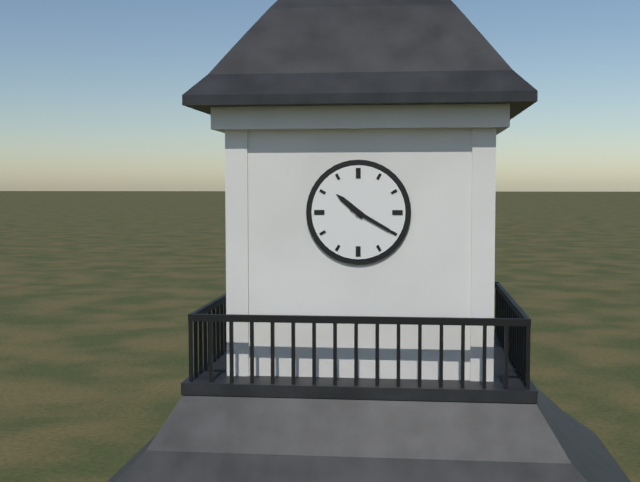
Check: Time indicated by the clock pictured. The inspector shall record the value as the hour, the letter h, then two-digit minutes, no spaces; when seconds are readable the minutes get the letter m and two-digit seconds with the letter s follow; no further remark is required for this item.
10h20
